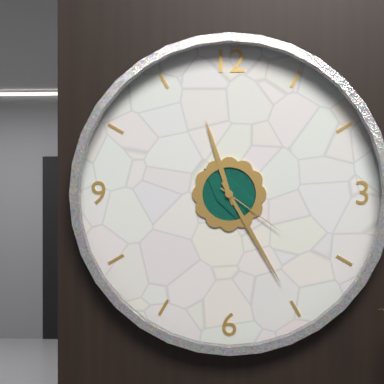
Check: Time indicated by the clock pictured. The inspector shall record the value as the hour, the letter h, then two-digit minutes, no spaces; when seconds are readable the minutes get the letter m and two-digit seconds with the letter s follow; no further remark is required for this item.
11h25m21s
